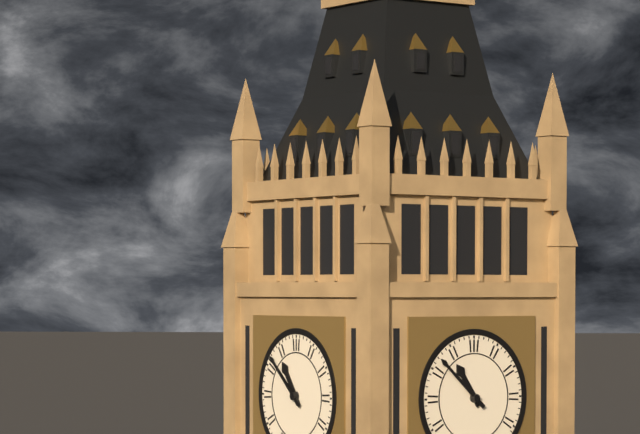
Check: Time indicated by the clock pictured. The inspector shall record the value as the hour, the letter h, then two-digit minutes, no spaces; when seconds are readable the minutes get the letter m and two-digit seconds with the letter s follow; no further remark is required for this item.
10h52
